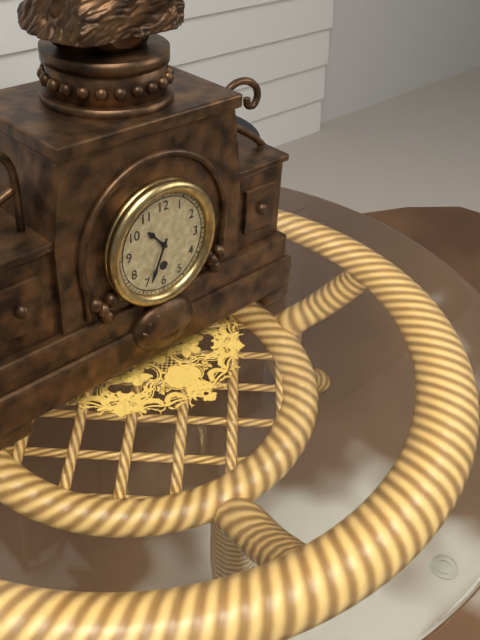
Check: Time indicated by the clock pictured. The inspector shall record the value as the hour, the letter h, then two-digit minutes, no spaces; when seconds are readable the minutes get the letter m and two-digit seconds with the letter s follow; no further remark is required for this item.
10h34
